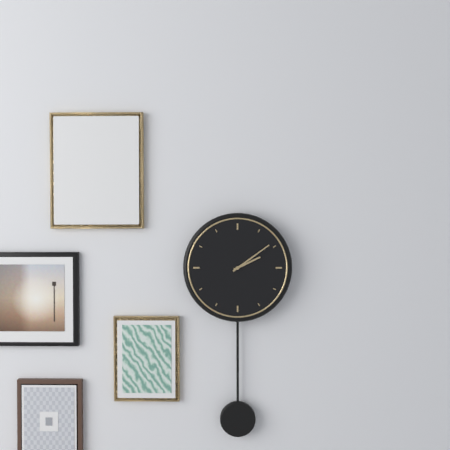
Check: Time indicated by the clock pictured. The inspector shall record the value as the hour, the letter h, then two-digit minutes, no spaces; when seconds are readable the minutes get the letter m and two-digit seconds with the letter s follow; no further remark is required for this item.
2h09
